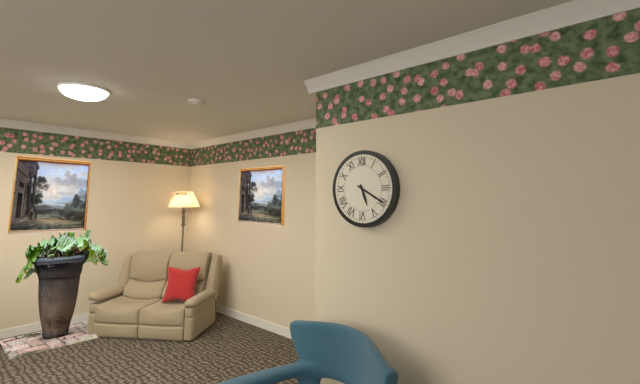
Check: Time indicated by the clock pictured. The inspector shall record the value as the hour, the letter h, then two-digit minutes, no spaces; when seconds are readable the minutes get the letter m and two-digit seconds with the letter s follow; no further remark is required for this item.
5h20
